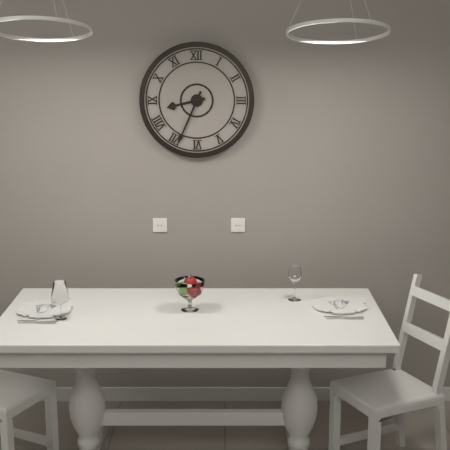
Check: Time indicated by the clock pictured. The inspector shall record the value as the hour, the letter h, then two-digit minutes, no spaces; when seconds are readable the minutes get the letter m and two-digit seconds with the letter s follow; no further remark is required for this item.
8h34
